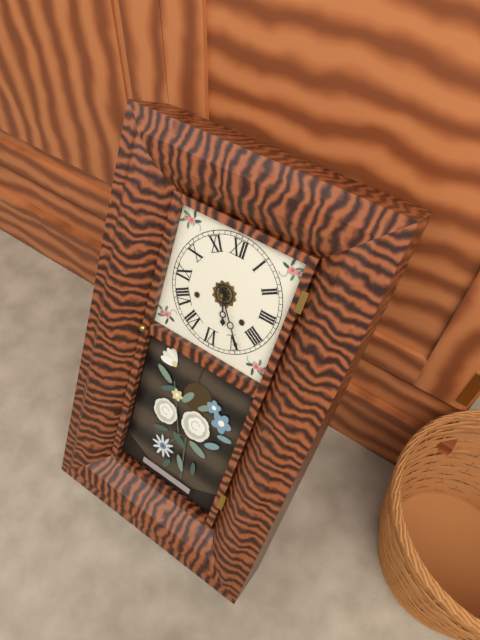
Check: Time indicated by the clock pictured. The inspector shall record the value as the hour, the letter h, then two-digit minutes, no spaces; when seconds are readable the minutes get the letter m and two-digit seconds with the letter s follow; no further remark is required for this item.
5h24
